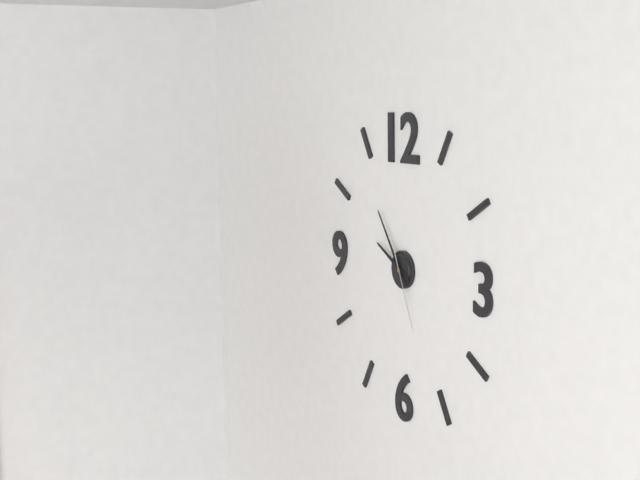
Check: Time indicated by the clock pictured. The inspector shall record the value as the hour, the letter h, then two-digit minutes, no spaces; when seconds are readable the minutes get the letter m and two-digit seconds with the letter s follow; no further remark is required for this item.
9h54m26s
